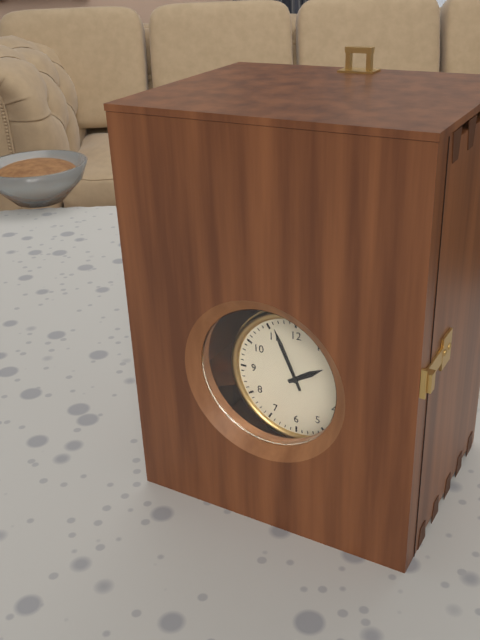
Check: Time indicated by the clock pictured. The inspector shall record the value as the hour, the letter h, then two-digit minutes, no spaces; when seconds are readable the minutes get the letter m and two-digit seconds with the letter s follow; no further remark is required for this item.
1h56
